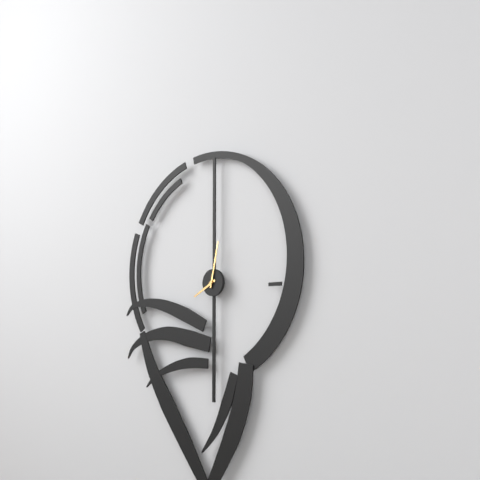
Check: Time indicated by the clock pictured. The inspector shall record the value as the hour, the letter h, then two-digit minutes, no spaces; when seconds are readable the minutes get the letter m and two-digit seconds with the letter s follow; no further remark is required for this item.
8h02
